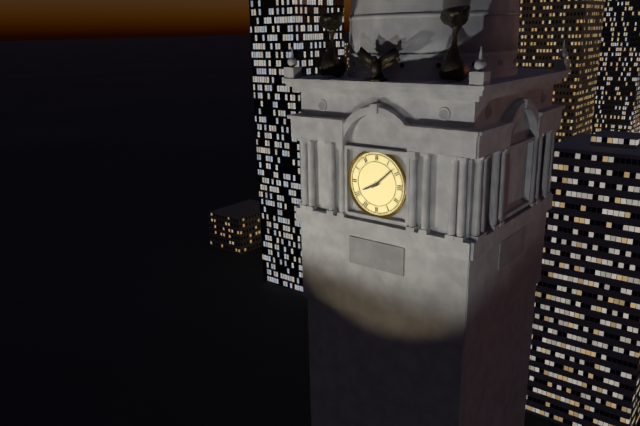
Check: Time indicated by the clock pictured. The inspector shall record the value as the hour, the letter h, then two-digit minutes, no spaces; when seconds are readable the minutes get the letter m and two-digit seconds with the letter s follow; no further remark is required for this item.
8h08
